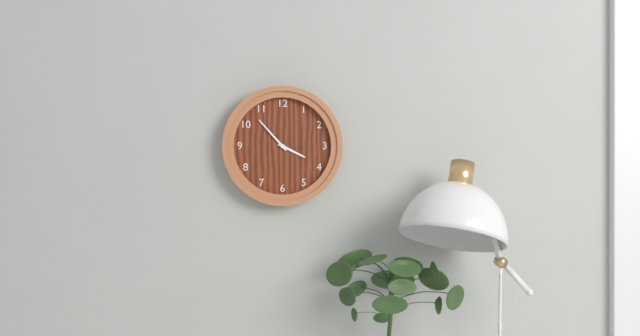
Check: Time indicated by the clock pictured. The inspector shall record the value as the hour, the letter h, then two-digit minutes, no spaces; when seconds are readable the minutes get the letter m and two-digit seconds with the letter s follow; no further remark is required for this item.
3h53
